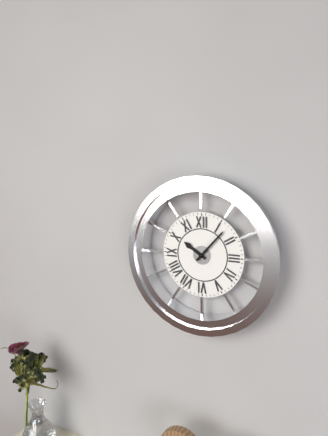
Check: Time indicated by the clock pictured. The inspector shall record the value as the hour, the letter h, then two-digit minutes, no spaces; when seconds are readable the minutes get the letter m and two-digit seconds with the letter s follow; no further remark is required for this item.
10h07
